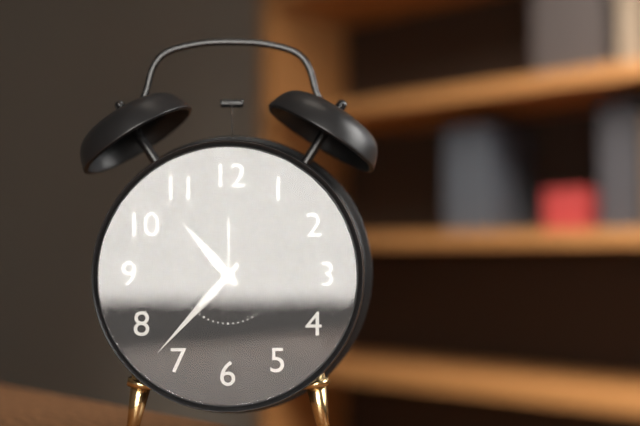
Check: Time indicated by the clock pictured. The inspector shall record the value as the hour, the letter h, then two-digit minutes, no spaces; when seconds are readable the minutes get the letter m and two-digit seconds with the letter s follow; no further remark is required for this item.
10h37
